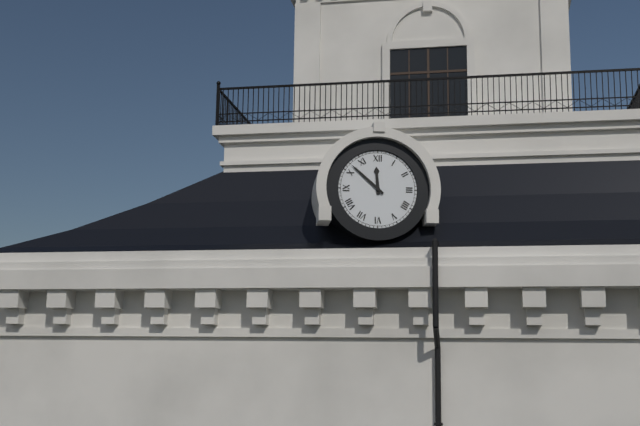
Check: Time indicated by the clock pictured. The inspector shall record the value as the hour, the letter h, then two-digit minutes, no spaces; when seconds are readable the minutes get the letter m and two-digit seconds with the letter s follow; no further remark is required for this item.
11h52
